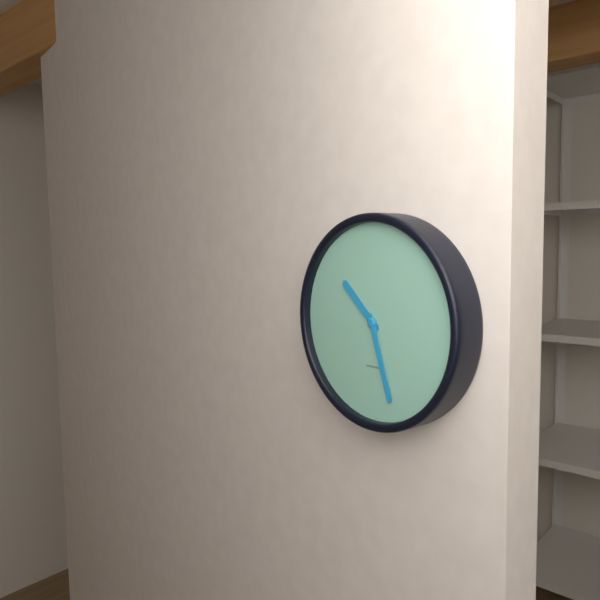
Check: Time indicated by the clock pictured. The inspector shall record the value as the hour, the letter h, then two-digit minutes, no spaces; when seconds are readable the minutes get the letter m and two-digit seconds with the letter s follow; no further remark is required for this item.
10h27
